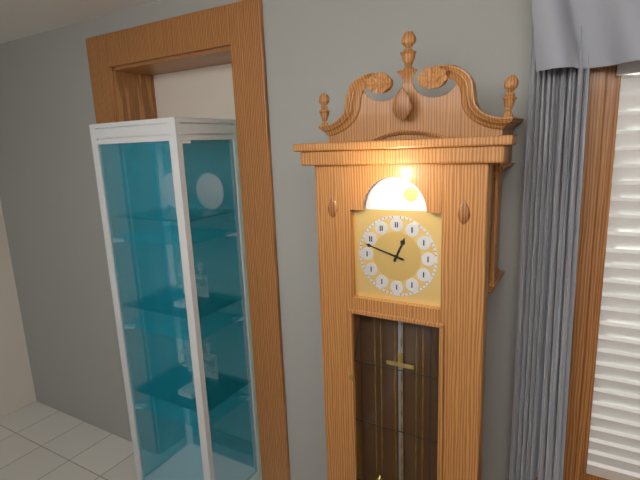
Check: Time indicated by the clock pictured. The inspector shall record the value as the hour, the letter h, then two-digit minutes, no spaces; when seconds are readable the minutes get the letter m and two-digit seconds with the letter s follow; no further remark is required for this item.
12h48
